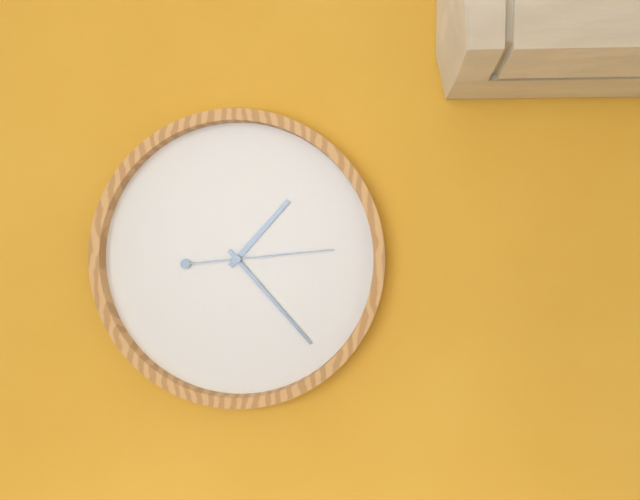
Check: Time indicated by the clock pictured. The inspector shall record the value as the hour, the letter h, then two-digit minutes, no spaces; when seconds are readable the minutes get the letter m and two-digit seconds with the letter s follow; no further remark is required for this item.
1h23m14s
